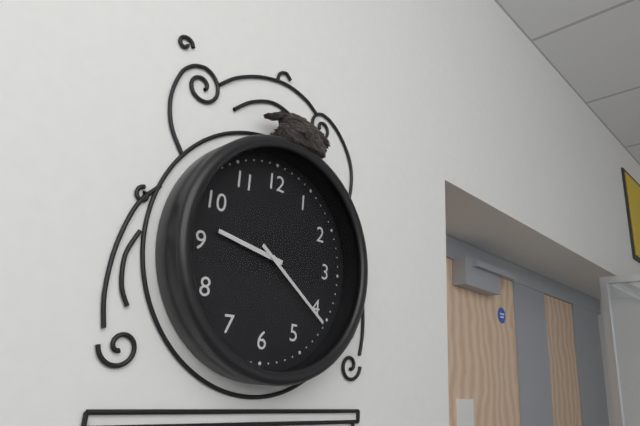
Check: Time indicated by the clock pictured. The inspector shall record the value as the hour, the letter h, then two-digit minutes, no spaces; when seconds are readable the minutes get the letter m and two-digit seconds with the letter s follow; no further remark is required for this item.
9h21
